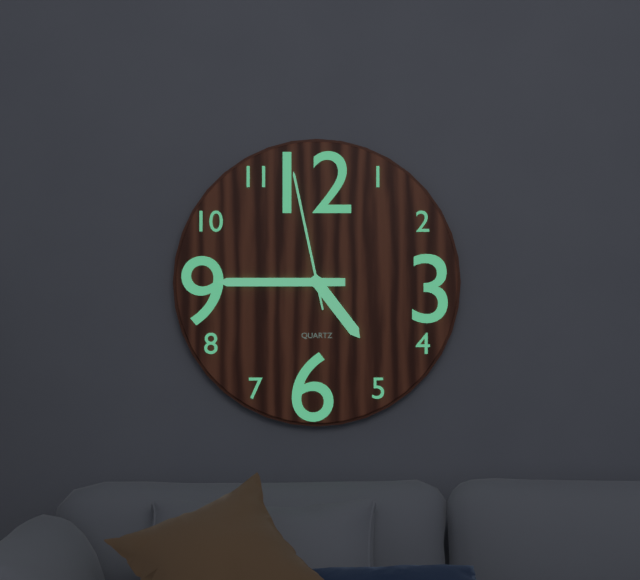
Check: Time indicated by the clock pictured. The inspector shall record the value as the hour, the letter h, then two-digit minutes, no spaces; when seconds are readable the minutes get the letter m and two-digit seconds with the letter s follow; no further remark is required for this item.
4h45m58s
